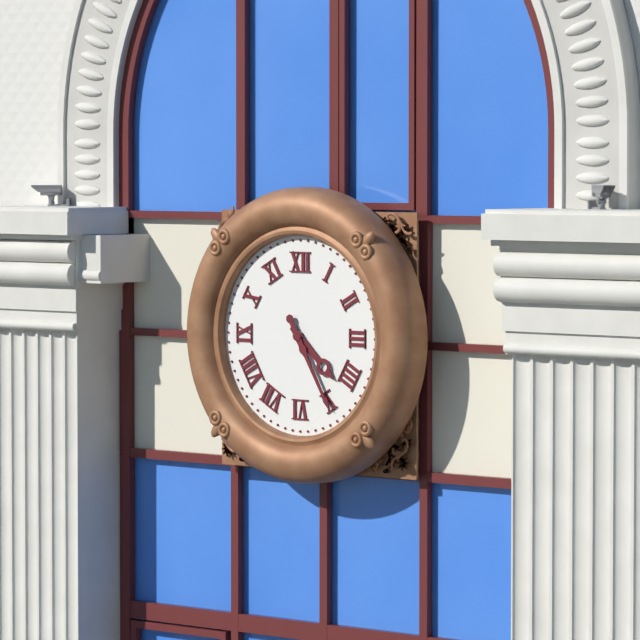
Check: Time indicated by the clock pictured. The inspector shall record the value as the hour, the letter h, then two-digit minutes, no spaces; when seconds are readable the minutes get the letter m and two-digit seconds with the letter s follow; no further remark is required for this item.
4h25
